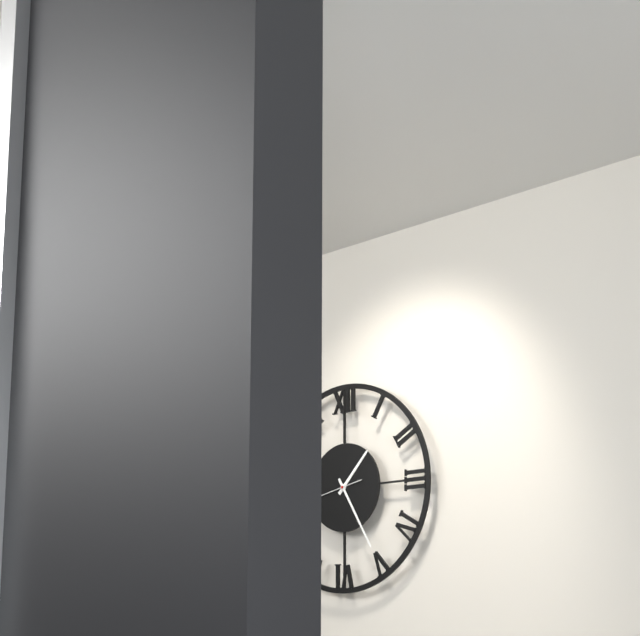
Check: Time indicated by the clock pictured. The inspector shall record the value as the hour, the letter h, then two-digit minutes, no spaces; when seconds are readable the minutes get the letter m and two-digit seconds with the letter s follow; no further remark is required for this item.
1h25
